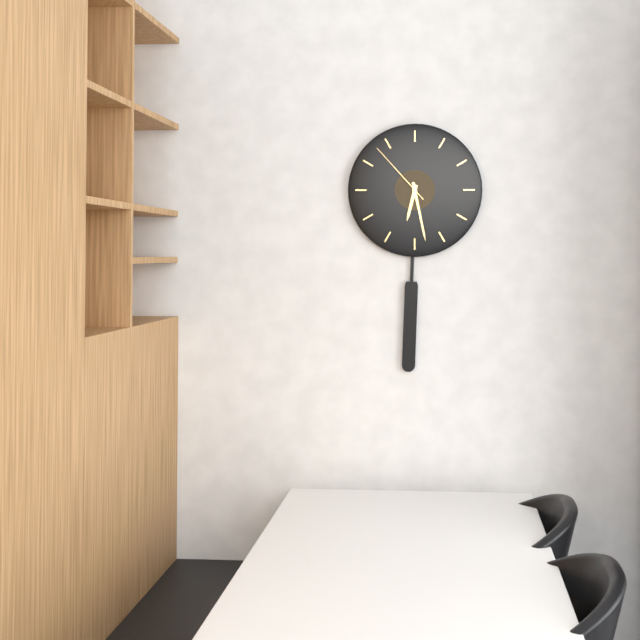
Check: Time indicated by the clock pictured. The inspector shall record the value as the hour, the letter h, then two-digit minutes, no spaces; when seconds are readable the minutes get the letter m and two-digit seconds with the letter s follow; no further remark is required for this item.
6h28m53s
